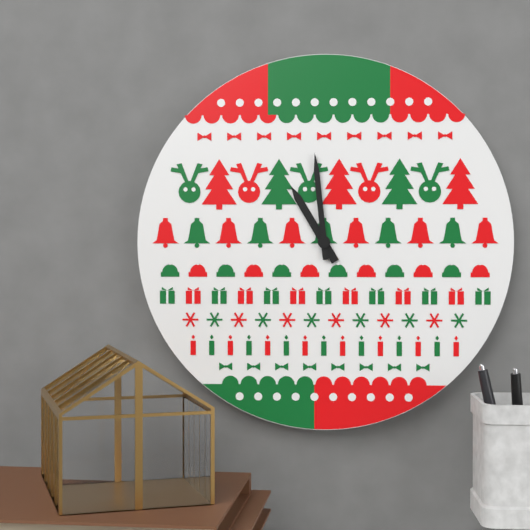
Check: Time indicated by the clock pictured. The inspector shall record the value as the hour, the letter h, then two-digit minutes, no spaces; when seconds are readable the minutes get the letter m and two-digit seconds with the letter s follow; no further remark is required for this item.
10h59
